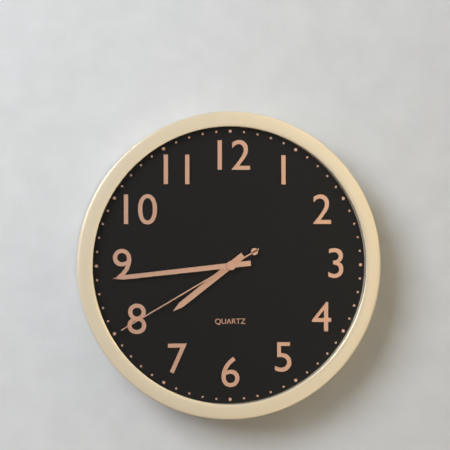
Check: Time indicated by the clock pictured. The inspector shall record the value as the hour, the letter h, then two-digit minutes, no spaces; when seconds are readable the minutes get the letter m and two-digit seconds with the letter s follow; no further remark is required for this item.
7h44m40s
